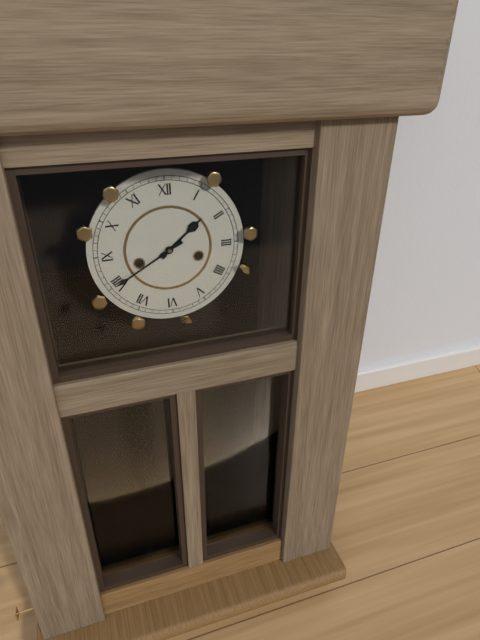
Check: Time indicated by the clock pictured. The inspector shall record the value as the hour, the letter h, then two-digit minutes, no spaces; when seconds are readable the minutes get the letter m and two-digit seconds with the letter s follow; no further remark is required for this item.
1h40
